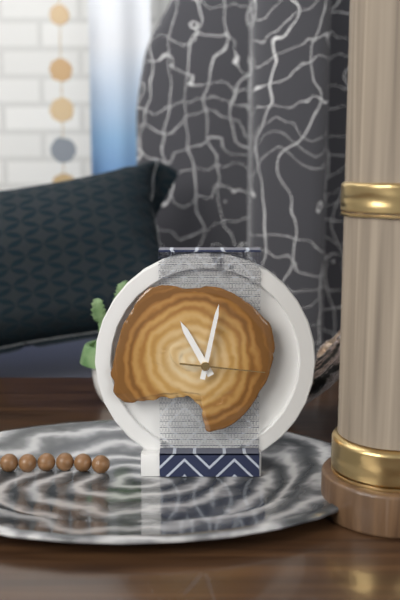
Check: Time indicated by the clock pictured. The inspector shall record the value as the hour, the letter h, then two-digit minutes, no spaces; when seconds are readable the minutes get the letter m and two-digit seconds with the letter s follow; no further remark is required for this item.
11h02m16s
